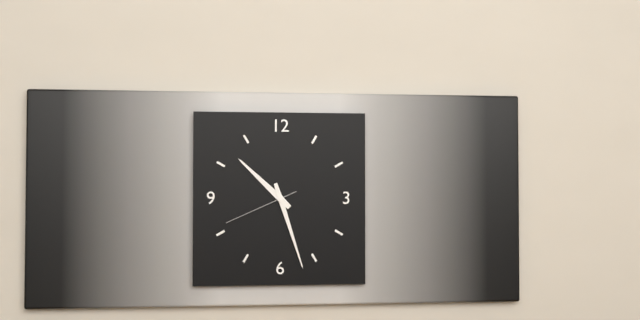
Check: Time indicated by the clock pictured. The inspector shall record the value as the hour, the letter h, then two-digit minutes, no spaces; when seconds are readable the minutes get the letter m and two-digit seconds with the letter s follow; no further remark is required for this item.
10h27m41s
